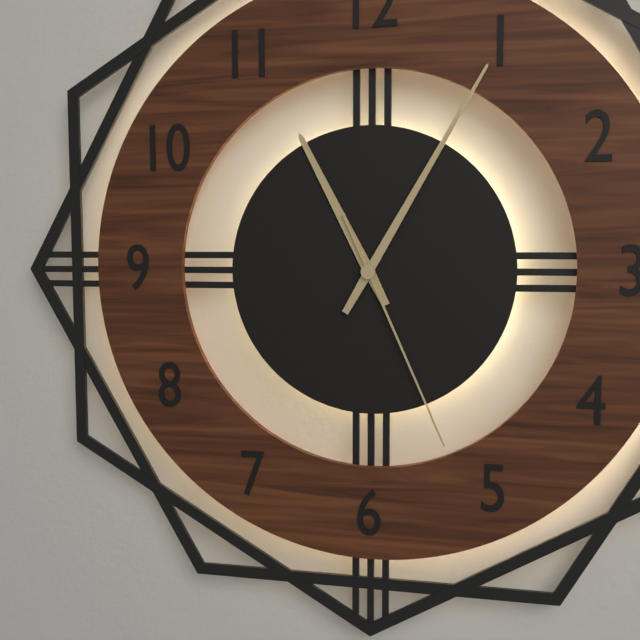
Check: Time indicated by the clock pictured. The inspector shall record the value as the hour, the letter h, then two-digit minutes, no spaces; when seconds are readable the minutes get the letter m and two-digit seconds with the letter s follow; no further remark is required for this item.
11h05m26s
